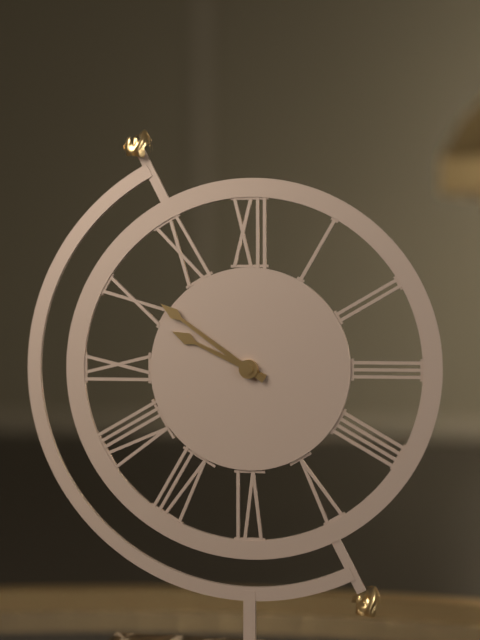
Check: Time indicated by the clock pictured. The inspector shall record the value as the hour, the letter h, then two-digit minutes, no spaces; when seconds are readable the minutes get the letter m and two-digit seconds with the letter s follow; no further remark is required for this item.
9h51
